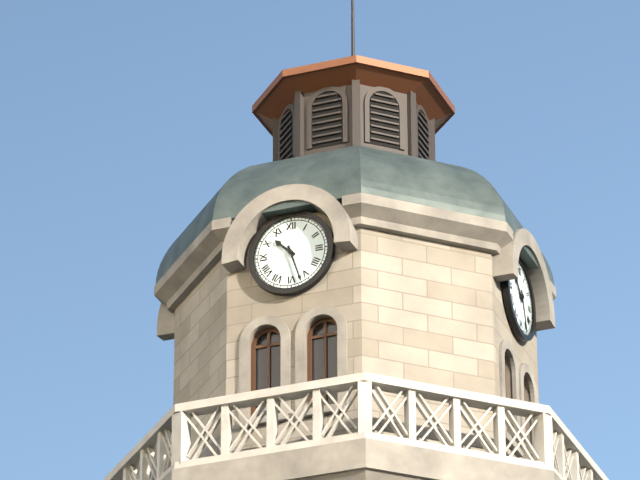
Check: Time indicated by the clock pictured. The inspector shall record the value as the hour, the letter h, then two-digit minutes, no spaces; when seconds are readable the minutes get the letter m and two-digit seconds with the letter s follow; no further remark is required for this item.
10h27
